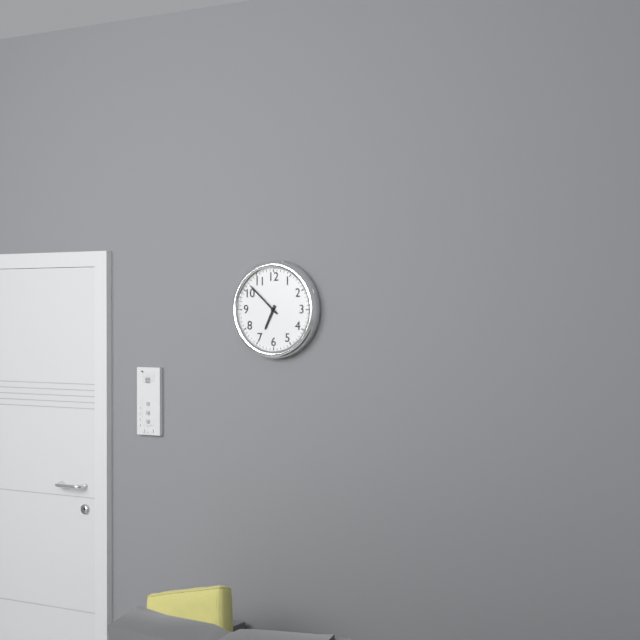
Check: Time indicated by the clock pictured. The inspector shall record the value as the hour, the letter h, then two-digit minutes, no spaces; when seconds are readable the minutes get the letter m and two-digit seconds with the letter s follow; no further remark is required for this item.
6h52
